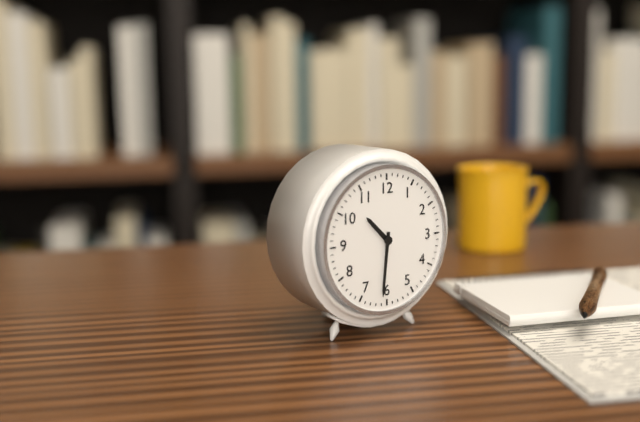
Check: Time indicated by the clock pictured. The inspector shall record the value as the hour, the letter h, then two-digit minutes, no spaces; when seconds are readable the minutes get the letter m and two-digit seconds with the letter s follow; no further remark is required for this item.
10h31
